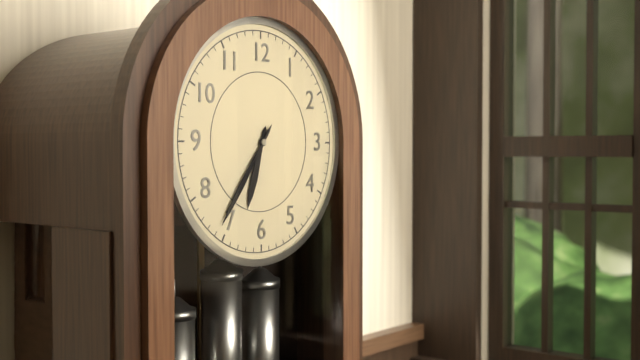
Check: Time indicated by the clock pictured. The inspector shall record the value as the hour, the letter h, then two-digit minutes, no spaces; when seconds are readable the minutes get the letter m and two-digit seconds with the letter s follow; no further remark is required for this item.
6h36
